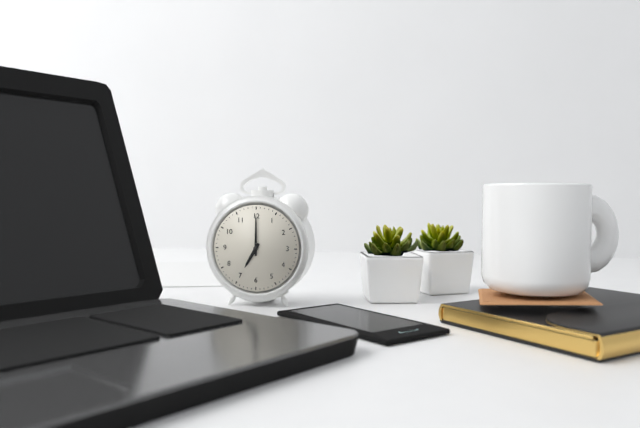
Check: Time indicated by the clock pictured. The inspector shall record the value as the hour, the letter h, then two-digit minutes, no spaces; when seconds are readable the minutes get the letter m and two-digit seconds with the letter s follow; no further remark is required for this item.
7h00
